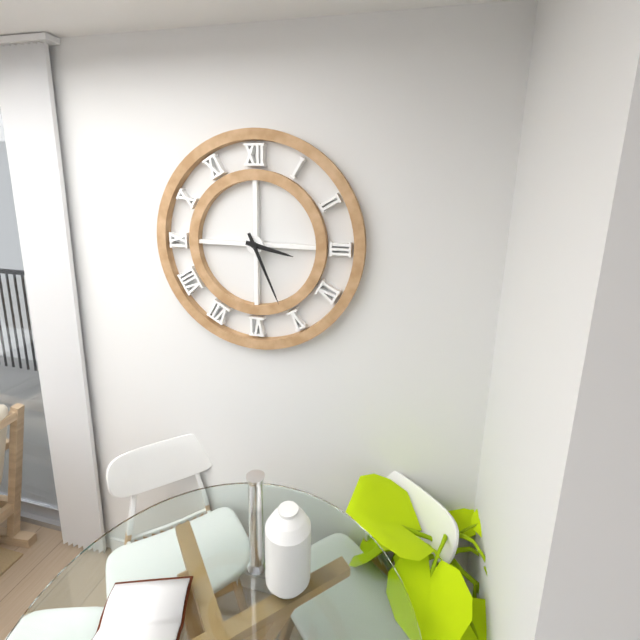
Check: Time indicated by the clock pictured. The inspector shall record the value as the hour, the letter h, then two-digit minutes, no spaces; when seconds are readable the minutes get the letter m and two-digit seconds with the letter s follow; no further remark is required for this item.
3h26
